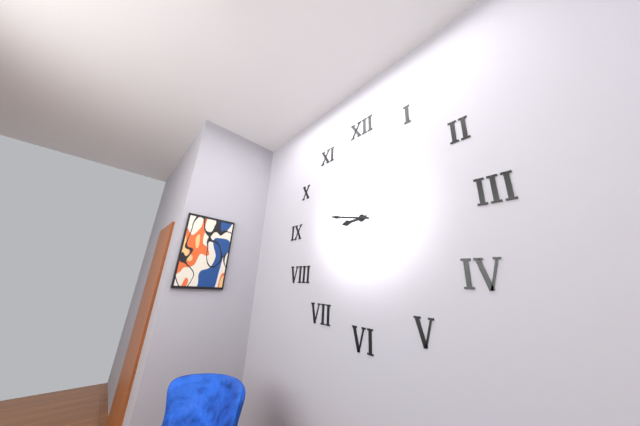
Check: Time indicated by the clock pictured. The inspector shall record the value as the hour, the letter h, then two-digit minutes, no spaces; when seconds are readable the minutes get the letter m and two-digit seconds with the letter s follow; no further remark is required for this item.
8h47
